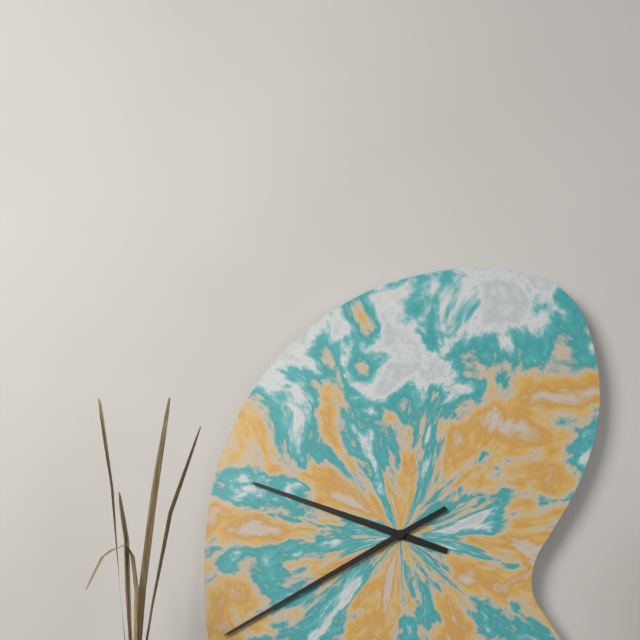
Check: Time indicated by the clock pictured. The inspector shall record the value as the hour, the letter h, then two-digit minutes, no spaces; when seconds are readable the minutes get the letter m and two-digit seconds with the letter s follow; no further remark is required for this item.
9h40
